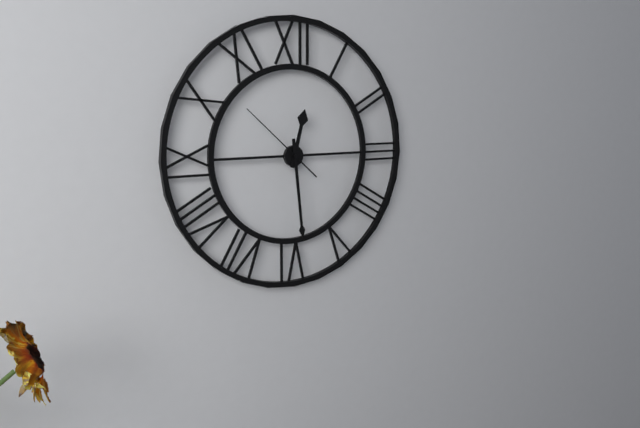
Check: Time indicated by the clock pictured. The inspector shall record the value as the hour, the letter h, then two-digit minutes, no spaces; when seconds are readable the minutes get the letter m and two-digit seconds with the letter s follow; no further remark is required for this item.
12h29m52s
